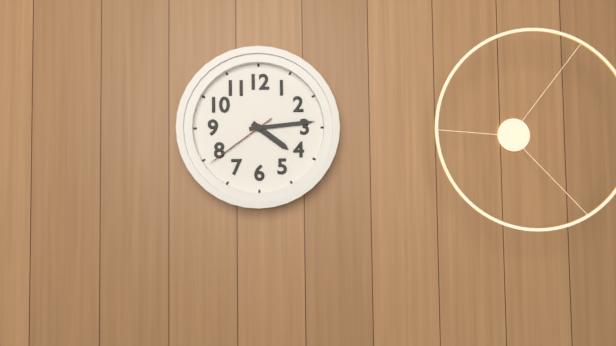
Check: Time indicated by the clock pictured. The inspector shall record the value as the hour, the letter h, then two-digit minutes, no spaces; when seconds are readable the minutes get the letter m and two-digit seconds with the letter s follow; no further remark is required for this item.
4h14m39s
